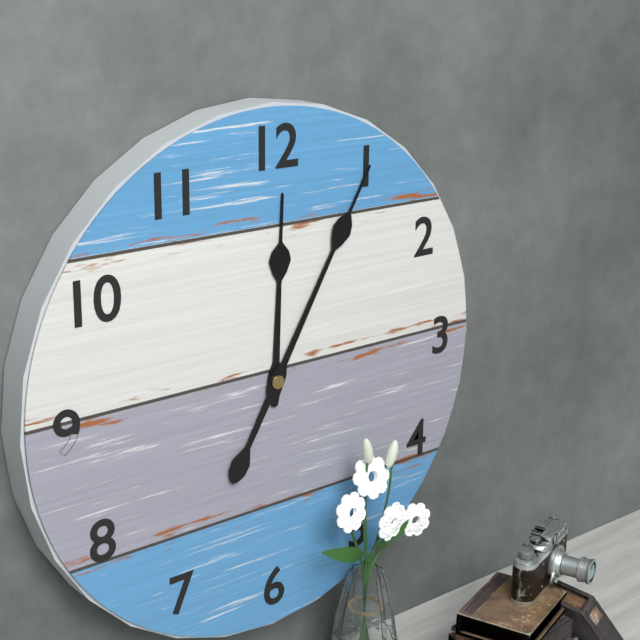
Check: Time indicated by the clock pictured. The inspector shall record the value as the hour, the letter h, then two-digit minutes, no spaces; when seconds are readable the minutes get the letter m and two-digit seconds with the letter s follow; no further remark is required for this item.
12h05
